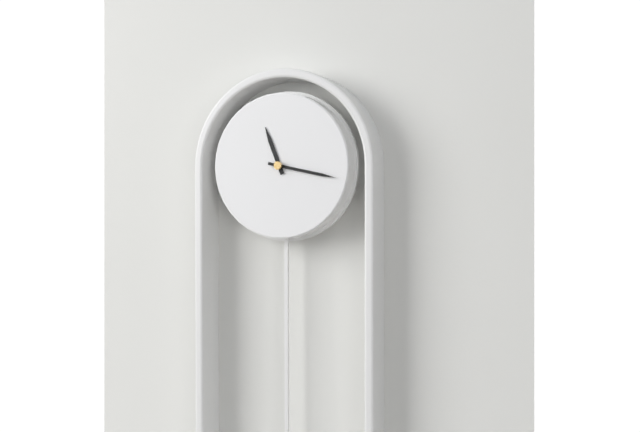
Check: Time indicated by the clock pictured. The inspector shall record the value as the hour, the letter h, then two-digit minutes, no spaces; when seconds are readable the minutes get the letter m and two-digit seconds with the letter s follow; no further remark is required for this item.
11h17
